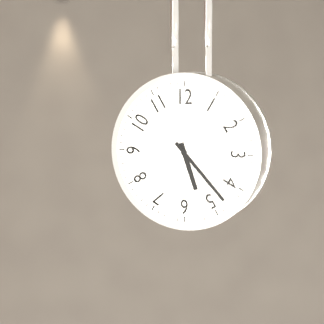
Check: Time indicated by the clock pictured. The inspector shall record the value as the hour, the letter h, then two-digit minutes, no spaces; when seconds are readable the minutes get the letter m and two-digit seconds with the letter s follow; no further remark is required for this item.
5h23
